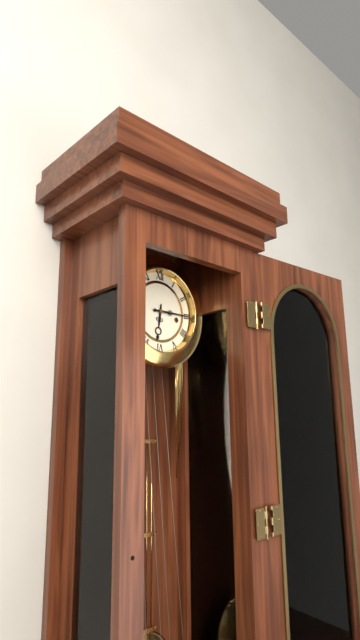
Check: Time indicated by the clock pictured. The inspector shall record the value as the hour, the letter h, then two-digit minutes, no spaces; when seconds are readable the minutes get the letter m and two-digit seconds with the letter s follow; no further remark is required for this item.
6h15
